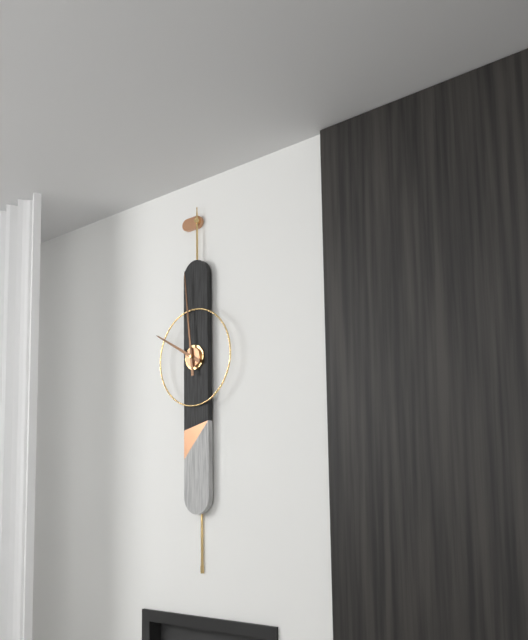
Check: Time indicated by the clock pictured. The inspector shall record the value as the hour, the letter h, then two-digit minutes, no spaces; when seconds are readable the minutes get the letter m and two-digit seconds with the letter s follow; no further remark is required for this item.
9h59
